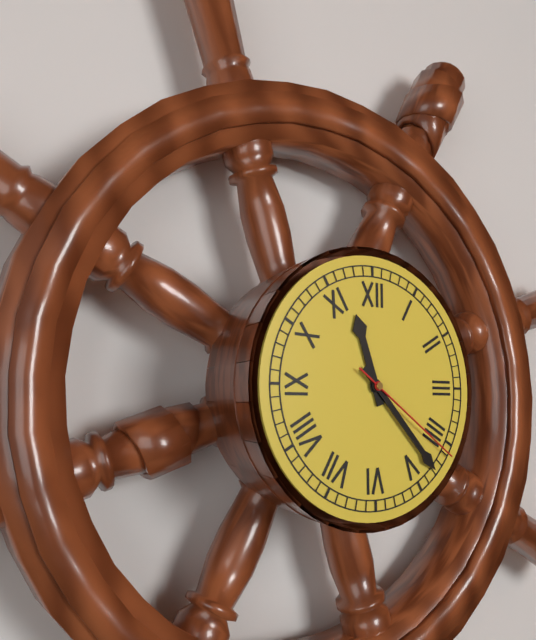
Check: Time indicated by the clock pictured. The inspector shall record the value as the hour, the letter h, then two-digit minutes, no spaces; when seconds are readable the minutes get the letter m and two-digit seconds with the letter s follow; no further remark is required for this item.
11h23m21s
